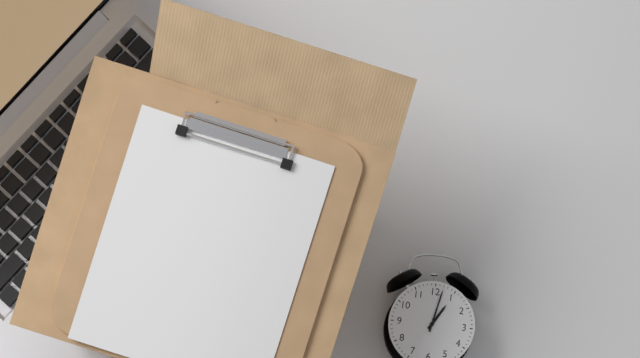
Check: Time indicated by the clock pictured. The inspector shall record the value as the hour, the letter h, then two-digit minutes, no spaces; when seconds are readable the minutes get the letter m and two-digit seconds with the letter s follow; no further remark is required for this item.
1h02
